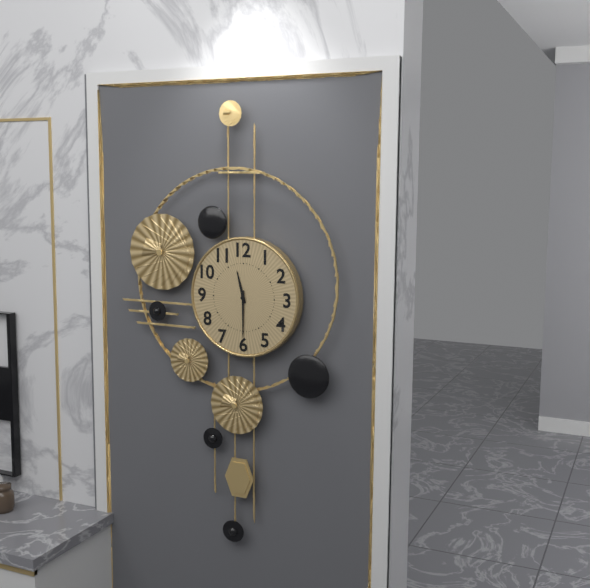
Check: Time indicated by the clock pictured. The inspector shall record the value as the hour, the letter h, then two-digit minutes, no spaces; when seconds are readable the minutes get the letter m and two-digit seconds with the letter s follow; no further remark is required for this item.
11h30
